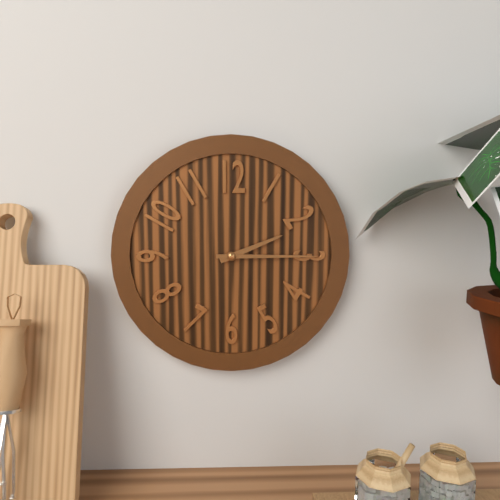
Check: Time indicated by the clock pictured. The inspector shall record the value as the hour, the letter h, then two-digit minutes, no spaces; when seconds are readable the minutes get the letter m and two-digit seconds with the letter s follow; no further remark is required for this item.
2h15
